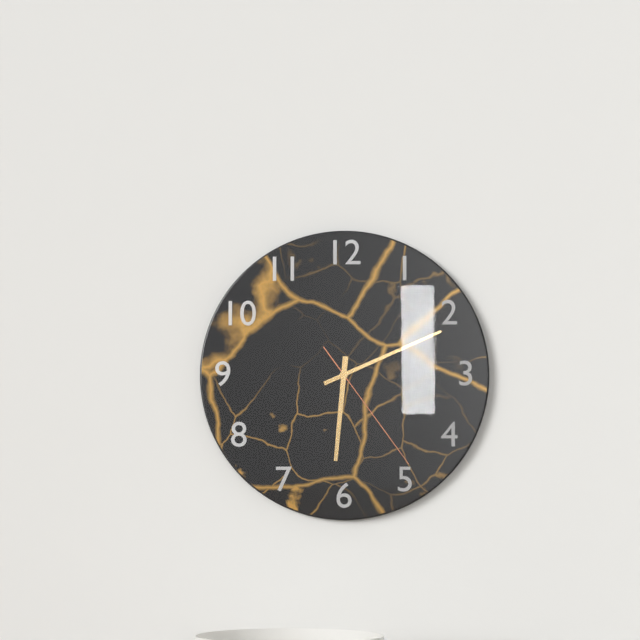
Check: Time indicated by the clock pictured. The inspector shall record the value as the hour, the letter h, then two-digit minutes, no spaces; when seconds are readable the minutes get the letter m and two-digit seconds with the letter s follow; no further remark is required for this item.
6h11m24s
